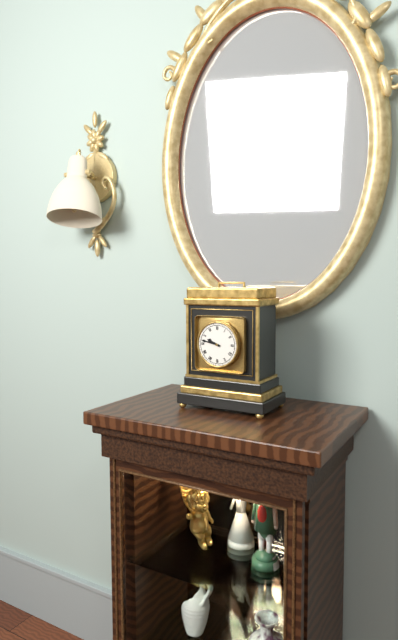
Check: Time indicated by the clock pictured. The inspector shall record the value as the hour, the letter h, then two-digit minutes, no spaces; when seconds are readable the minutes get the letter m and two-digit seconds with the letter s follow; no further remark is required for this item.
9h47
